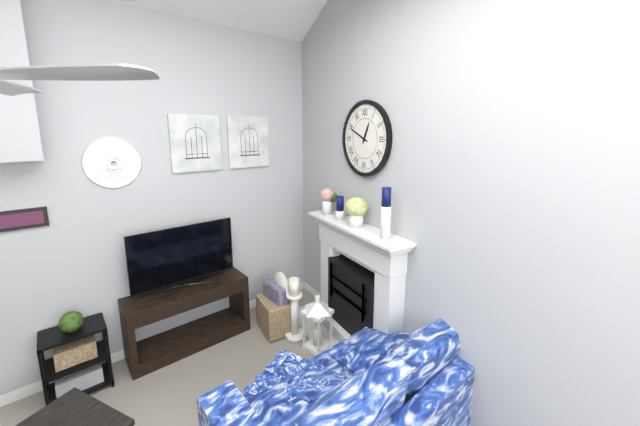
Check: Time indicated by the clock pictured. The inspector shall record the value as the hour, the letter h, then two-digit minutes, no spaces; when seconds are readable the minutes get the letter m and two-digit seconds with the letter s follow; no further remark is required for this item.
12h49
